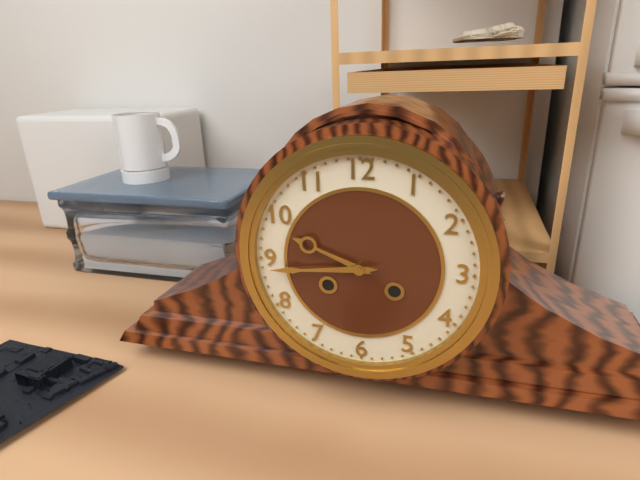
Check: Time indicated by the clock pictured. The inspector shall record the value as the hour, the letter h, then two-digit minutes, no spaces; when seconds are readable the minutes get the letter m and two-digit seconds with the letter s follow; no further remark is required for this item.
9h44
